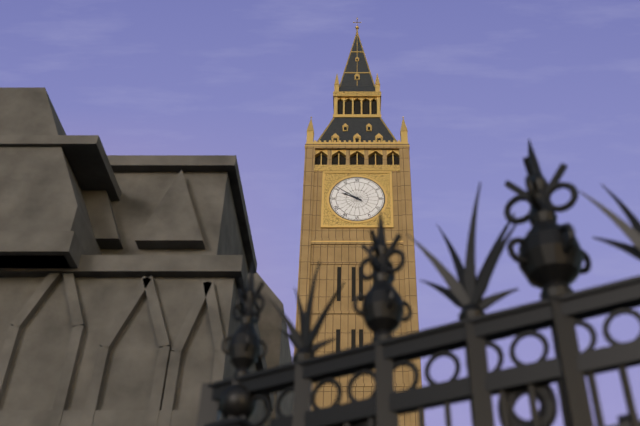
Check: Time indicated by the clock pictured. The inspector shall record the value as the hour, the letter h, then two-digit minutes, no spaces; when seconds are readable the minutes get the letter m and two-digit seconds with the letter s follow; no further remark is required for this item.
9h51
